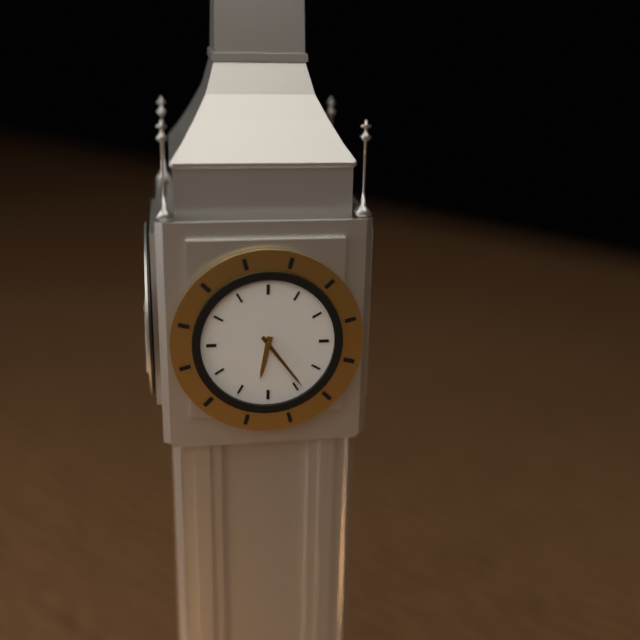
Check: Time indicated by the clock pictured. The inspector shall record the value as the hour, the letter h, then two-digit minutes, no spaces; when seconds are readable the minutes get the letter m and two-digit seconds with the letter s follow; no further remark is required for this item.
6h24
